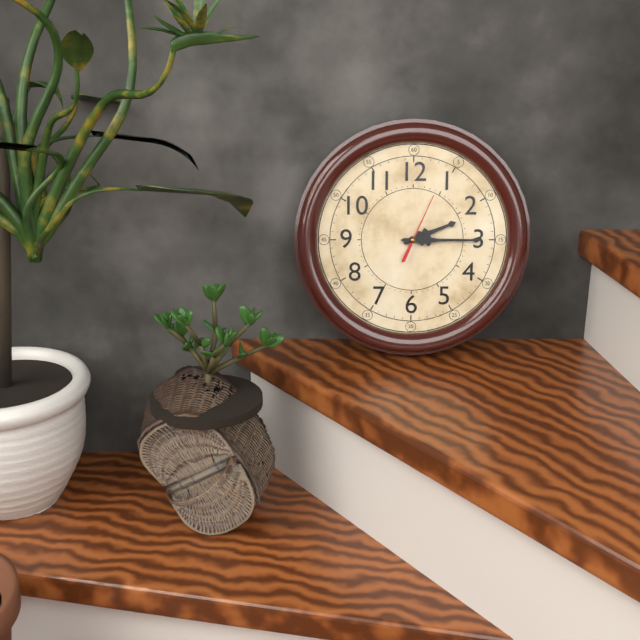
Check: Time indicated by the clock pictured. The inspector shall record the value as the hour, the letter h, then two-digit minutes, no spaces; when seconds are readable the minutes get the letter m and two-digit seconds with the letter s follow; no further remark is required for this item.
2h15m04s
